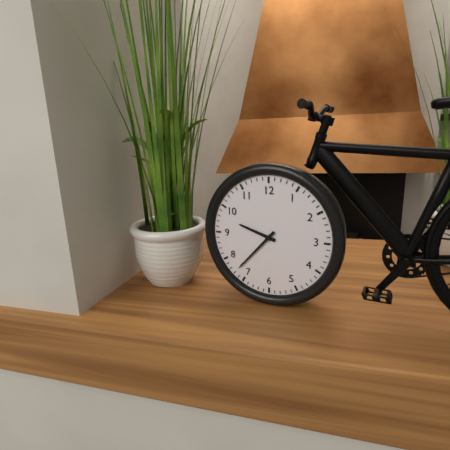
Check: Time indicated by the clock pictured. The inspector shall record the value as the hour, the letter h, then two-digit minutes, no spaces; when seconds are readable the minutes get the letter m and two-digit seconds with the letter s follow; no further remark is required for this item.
9h37
